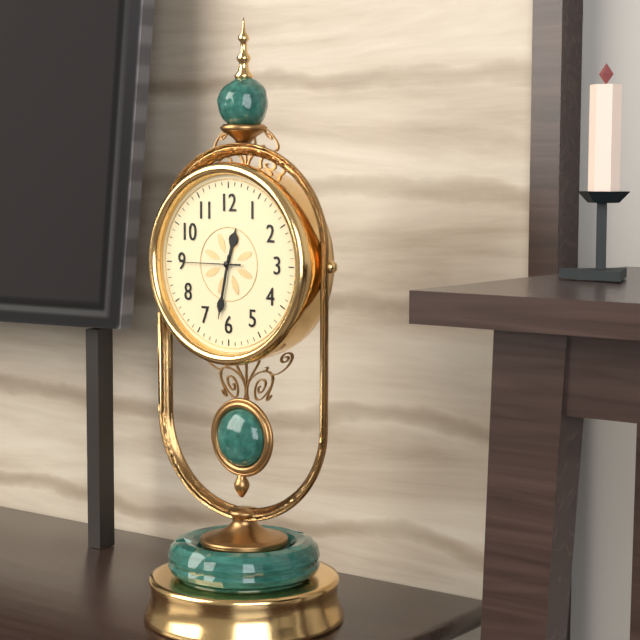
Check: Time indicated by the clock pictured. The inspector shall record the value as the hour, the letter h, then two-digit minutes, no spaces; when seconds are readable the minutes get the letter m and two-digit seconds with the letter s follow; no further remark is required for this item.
12h32m45s
